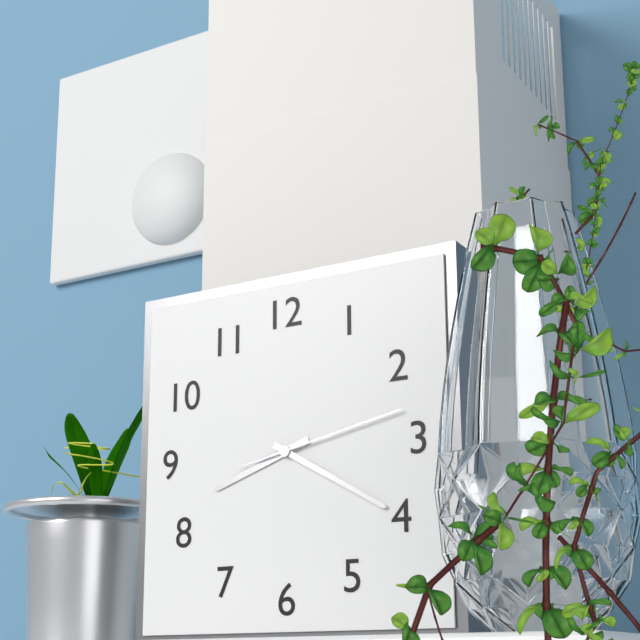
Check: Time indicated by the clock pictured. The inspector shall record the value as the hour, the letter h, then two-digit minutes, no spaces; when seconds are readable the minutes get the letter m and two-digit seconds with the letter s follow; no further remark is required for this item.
8h20m13s
